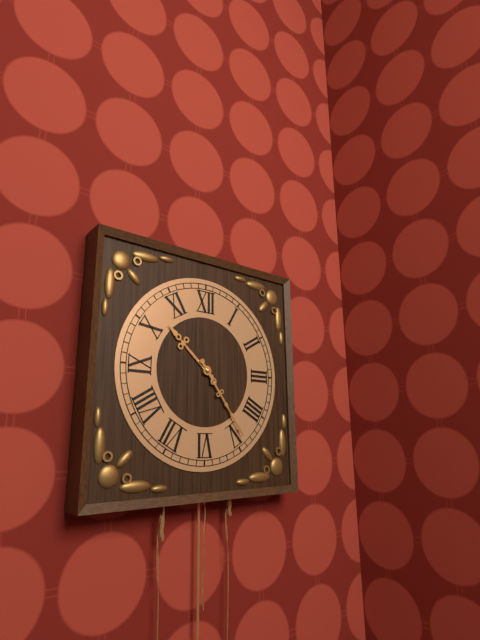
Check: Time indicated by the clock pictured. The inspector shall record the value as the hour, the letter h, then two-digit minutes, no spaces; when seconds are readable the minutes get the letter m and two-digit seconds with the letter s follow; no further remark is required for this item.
10h24
